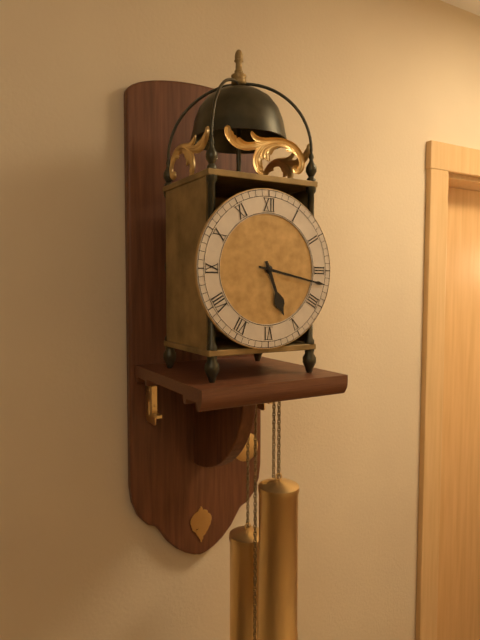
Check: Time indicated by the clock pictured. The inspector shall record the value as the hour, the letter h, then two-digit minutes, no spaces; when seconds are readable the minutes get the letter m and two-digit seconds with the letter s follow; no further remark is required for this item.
5h17
